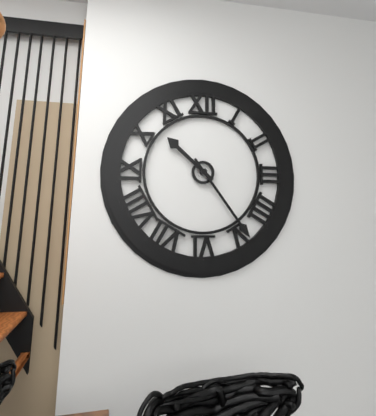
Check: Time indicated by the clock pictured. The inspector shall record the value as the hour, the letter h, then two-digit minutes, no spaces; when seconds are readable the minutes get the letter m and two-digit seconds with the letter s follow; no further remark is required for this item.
10h24
